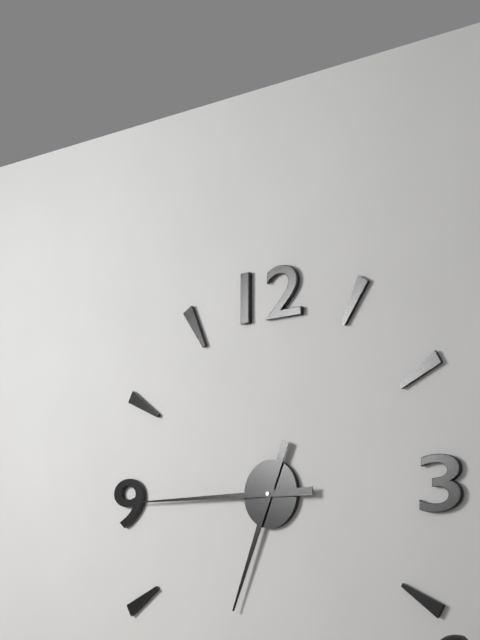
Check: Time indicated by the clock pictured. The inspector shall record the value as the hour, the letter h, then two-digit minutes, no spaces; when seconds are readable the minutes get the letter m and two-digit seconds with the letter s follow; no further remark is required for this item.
6h45
